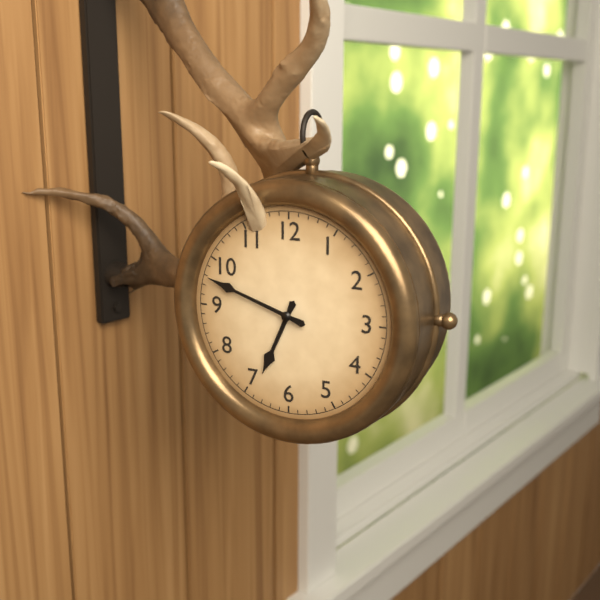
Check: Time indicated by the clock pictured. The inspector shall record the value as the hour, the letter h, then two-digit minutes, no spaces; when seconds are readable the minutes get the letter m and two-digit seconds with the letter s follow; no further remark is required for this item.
6h48
